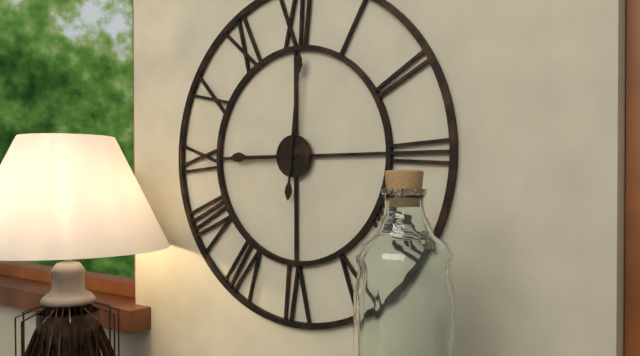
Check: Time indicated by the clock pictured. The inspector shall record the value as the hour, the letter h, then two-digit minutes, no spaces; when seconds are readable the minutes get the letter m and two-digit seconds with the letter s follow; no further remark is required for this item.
9h01
